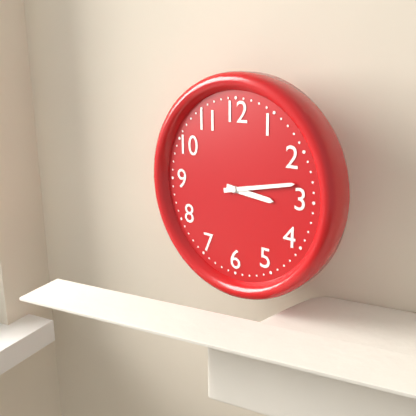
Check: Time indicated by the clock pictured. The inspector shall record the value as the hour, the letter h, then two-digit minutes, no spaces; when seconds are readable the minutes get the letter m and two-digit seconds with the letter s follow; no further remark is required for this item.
3h13
